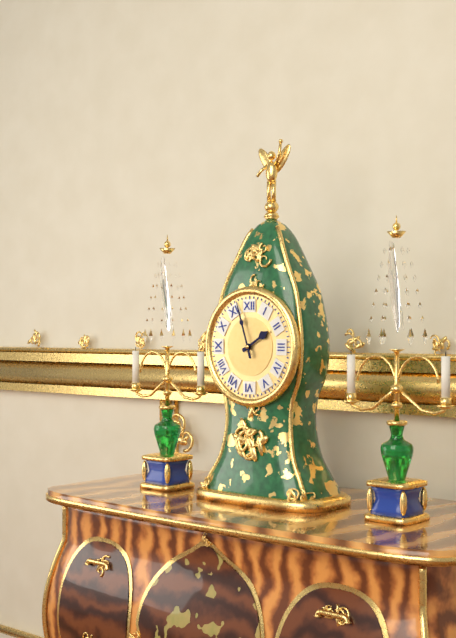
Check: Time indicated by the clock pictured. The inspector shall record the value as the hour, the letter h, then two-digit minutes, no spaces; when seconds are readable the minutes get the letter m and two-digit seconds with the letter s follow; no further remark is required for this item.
1h57
